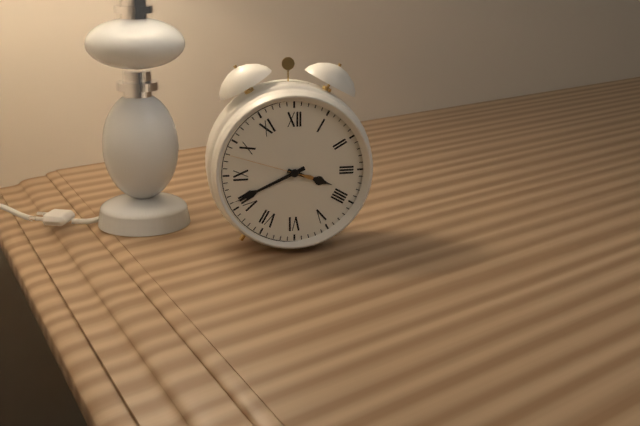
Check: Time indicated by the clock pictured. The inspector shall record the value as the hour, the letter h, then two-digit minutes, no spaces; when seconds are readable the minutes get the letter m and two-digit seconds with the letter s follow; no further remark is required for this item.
3h41m48s
